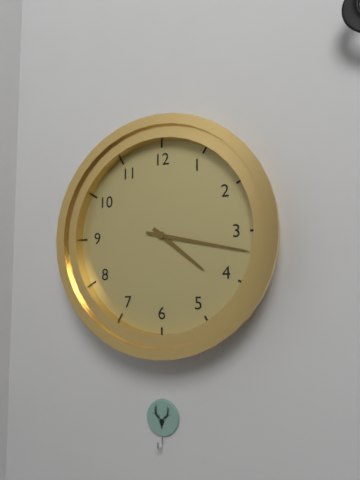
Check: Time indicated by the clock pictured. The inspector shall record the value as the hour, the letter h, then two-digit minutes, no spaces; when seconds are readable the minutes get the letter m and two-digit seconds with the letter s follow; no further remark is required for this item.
4h17
